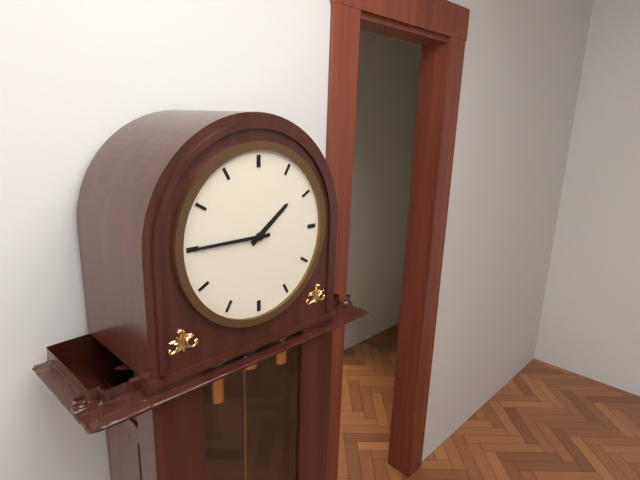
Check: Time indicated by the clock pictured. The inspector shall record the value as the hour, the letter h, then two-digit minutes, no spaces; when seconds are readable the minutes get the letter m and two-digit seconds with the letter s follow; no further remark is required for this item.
1h45
